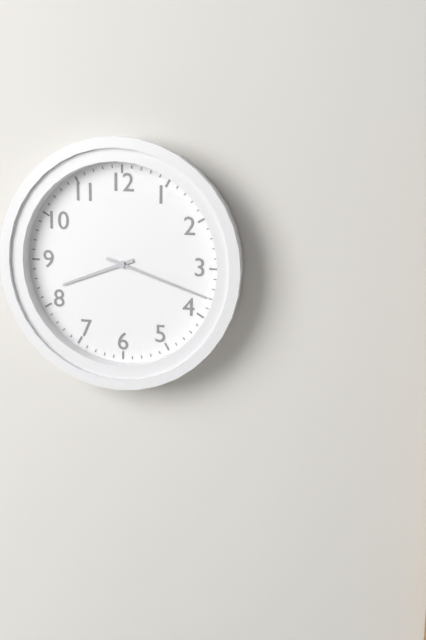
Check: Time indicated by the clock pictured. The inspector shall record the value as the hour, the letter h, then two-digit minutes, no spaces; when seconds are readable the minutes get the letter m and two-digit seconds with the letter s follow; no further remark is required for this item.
8h18
